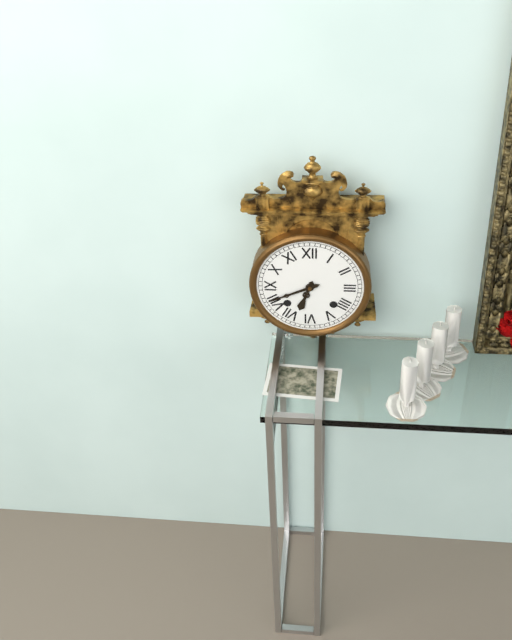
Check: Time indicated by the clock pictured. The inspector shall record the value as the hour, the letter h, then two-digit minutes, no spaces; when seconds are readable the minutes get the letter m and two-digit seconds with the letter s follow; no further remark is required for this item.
6h41
